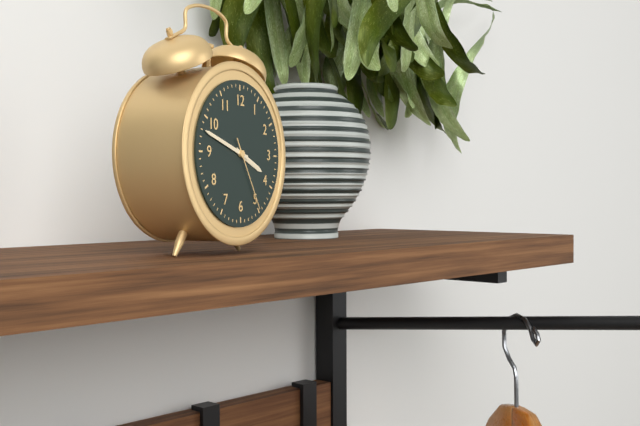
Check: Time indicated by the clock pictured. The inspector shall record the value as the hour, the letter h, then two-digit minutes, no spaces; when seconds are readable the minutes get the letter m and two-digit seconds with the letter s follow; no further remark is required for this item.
3h48m25s
